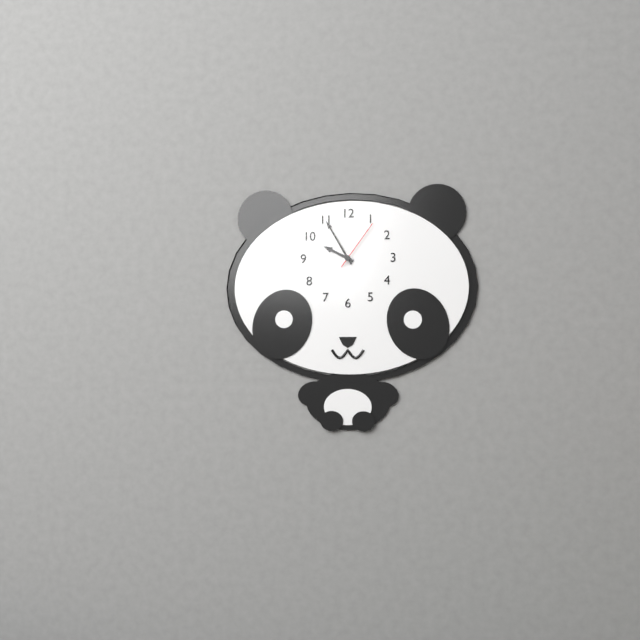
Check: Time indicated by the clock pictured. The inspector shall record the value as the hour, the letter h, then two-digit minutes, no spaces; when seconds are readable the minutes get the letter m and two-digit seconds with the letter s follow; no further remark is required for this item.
9h55m06s
